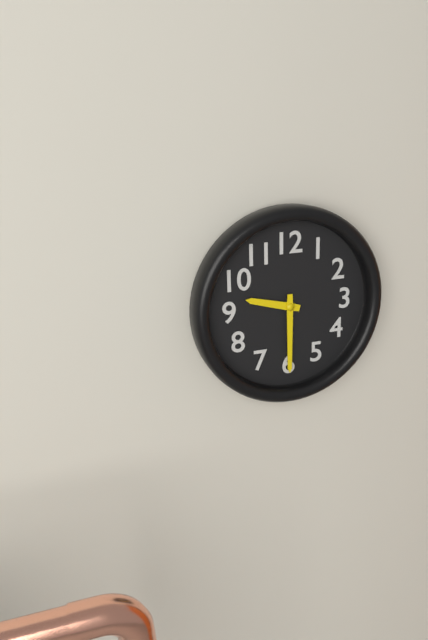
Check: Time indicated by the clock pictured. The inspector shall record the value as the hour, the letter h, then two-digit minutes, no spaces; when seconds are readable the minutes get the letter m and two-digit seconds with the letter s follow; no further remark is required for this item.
9h30
